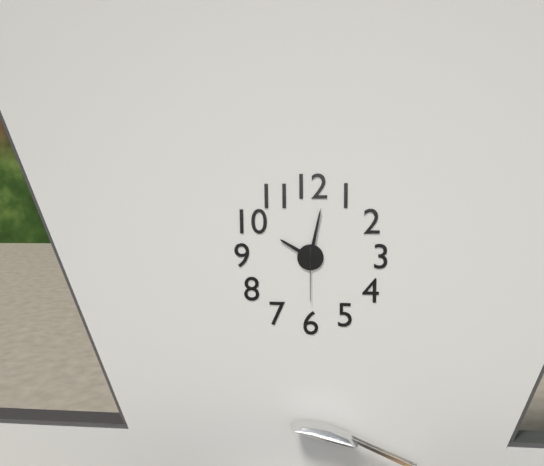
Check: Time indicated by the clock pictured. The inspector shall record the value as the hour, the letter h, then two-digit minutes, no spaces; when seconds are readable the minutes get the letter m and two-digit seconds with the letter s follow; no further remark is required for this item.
10h02m30s
